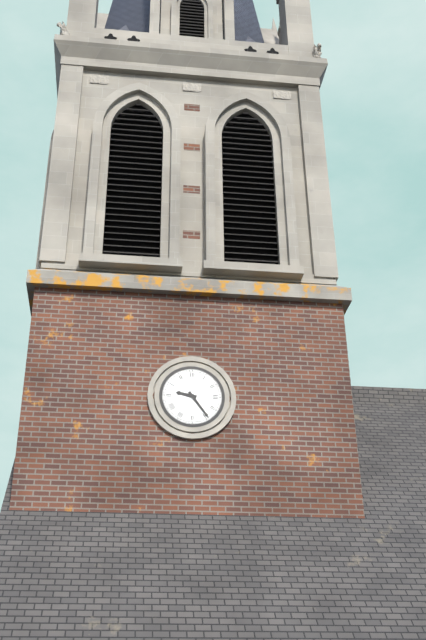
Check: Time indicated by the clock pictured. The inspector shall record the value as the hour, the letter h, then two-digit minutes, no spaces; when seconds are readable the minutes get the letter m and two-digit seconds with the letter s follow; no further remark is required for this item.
9h24
